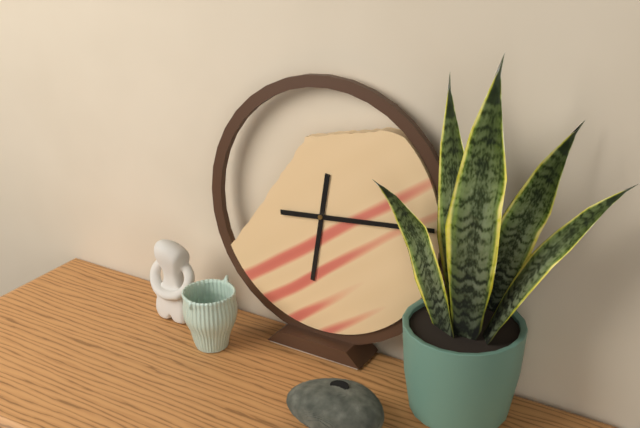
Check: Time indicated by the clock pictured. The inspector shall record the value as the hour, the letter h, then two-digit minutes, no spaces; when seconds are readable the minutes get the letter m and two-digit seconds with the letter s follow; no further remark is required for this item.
6h14
